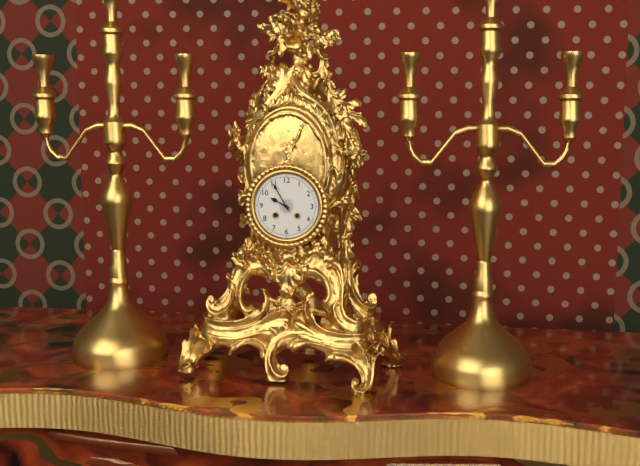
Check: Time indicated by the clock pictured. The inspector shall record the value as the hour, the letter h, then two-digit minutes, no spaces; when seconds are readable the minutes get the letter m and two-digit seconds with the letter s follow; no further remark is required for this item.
9h55
